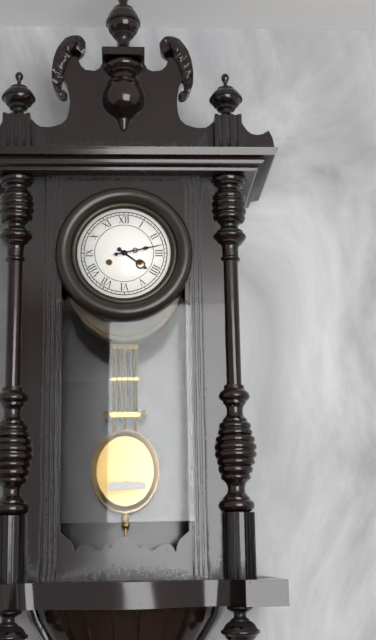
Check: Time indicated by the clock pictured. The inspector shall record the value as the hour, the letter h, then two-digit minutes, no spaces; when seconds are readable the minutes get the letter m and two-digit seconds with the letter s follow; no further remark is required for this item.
4h13
